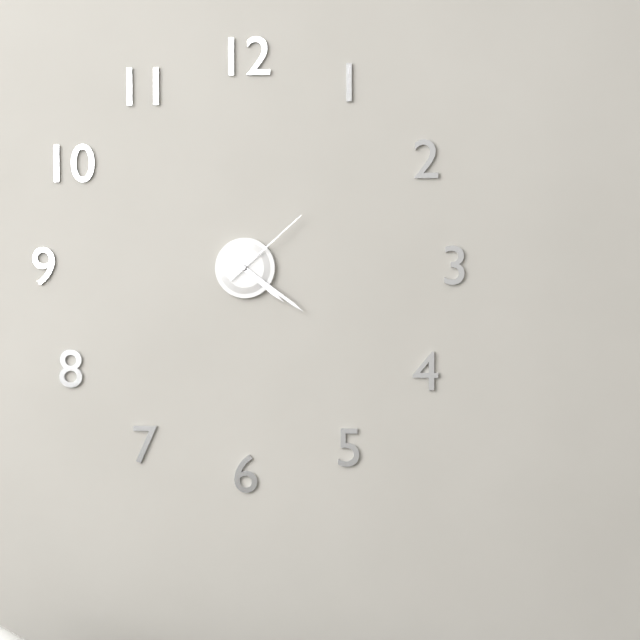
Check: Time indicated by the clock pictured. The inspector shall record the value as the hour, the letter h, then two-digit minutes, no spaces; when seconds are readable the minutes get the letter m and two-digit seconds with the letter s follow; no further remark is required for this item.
4h21m08s
